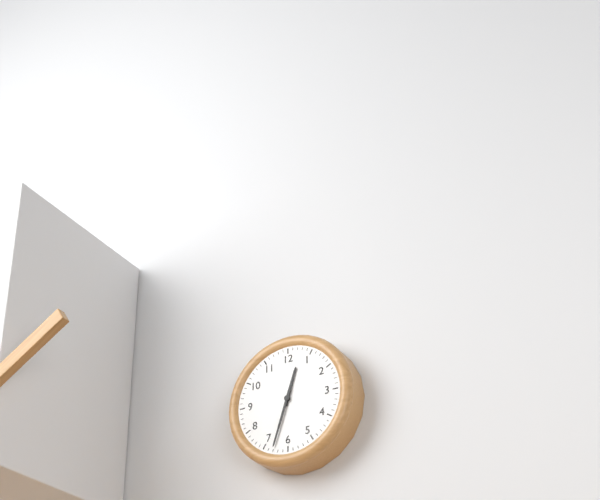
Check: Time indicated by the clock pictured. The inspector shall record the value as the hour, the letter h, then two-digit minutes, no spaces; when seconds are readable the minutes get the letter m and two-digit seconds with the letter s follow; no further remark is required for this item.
12h33
